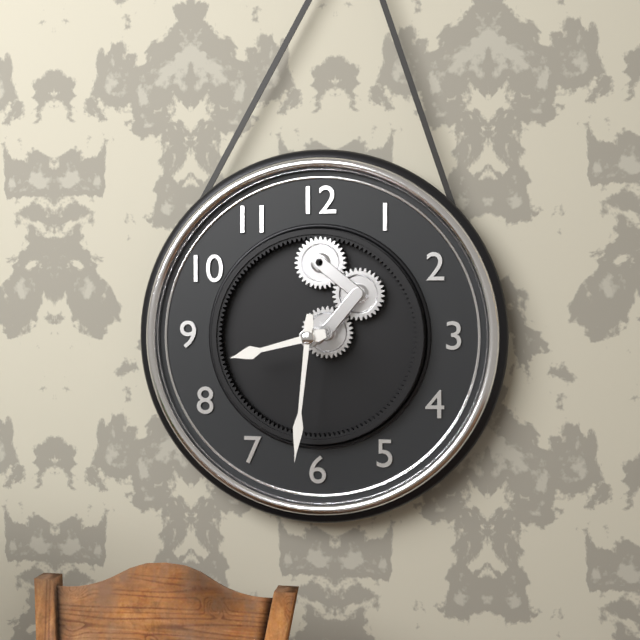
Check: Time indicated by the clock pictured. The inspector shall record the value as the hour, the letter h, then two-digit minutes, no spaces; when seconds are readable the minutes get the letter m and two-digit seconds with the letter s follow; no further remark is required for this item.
8h31
